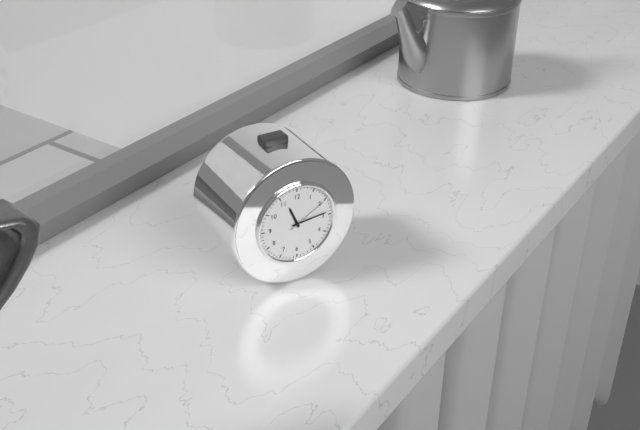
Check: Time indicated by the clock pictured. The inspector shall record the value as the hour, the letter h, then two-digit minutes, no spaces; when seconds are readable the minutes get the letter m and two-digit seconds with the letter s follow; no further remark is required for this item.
11h14
